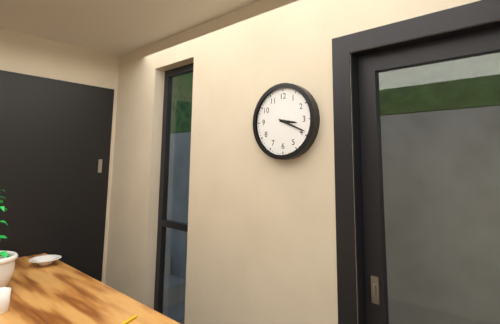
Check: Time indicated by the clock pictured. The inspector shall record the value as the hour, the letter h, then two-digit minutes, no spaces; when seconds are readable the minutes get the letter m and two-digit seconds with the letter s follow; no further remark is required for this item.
3h19
